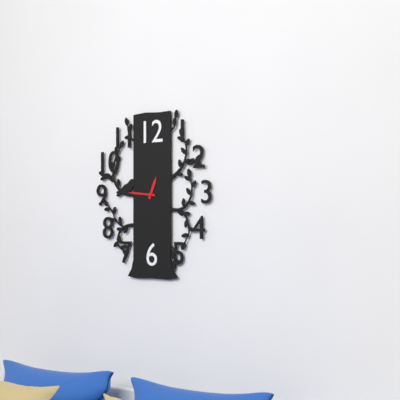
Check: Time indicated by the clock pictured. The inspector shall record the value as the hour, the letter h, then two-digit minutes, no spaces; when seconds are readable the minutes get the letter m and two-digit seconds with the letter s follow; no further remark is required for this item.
12h46
